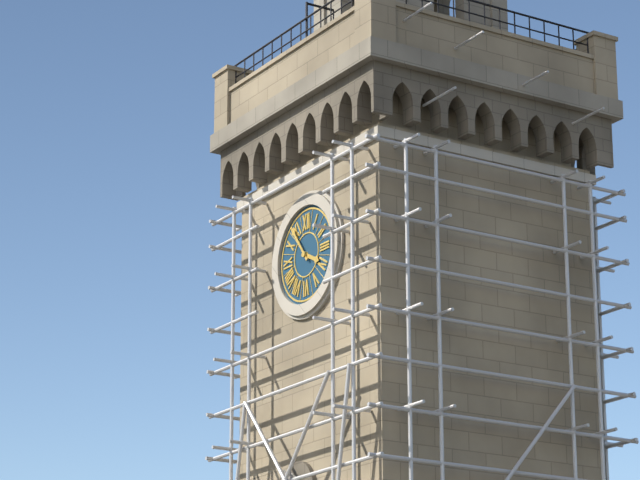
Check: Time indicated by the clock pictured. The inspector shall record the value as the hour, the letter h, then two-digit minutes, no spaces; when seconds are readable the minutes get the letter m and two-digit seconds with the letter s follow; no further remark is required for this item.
3h54
